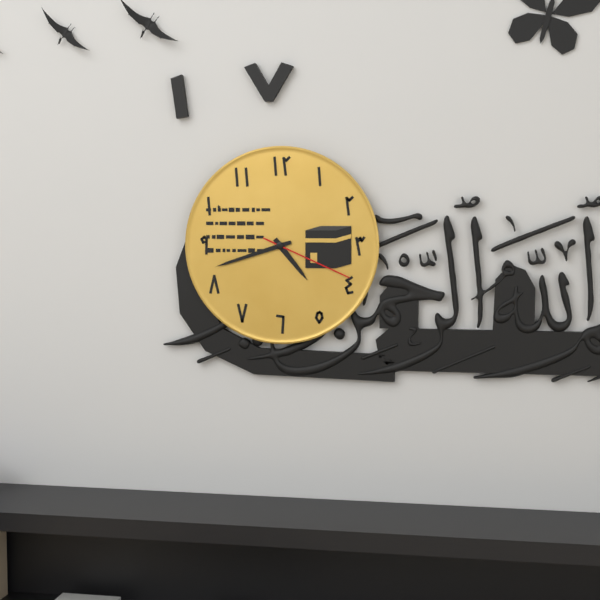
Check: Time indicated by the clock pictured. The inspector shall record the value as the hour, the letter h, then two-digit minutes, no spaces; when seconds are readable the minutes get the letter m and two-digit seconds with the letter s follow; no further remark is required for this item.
4h42m19s
